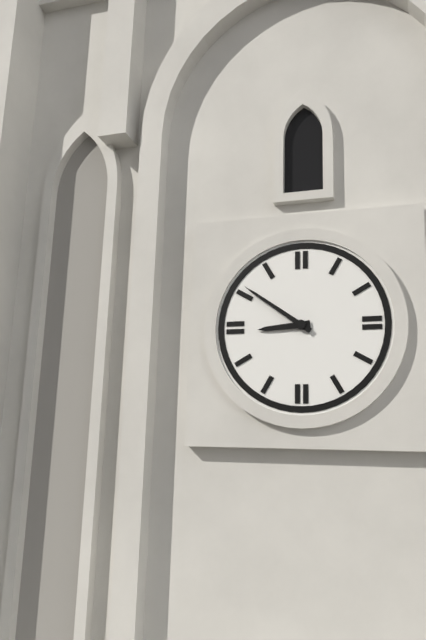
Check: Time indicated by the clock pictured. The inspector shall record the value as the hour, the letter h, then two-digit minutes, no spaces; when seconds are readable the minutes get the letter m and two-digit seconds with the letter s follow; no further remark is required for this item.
8h51
